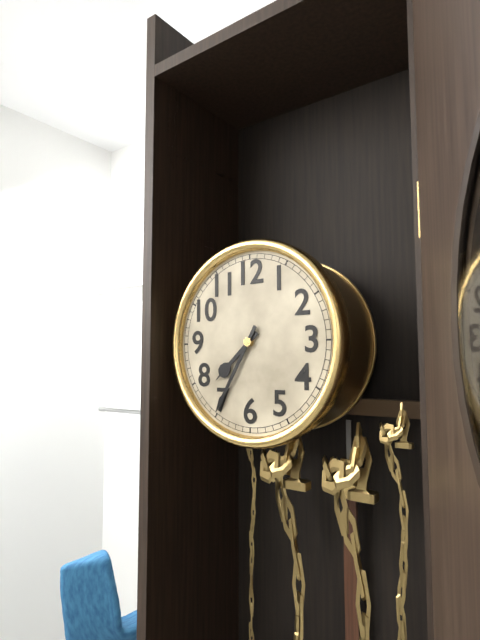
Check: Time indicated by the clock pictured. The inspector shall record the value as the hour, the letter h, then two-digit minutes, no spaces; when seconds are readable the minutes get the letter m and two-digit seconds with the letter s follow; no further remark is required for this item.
7h35
